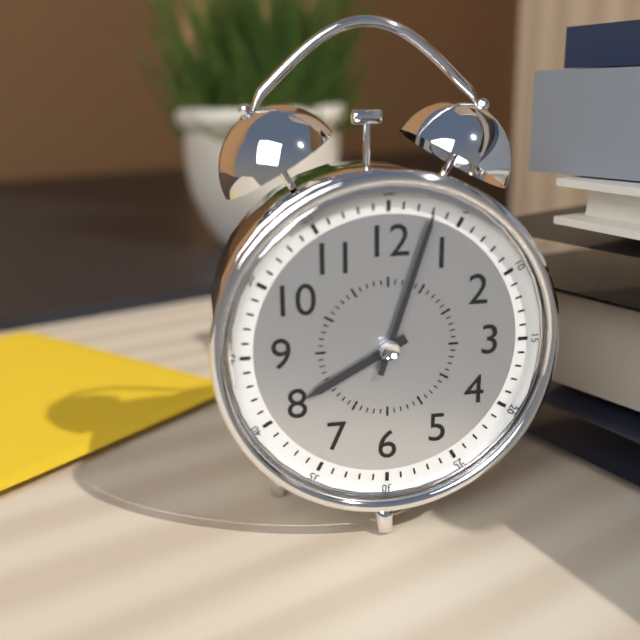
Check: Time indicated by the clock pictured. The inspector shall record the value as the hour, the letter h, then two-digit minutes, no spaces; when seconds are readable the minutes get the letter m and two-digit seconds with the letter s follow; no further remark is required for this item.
8h03
